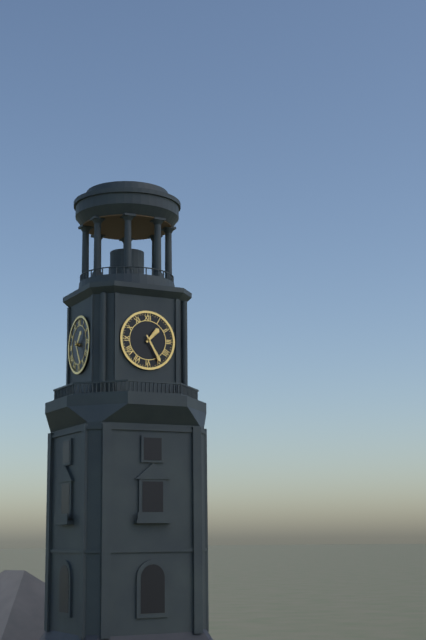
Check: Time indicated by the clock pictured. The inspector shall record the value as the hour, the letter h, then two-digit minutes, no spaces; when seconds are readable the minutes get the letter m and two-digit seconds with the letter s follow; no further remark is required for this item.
1h25
